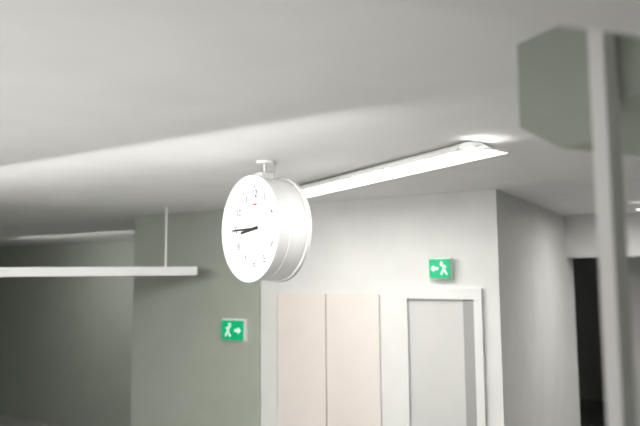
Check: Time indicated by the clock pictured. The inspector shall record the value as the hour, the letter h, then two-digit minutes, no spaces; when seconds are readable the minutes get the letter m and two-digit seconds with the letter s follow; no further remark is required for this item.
8h45
